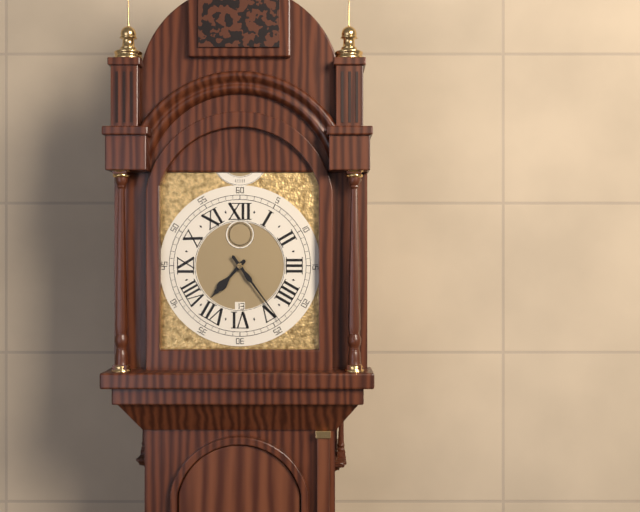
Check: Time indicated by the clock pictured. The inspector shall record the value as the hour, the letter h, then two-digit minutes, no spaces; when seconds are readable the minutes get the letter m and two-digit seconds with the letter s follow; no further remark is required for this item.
7h24
